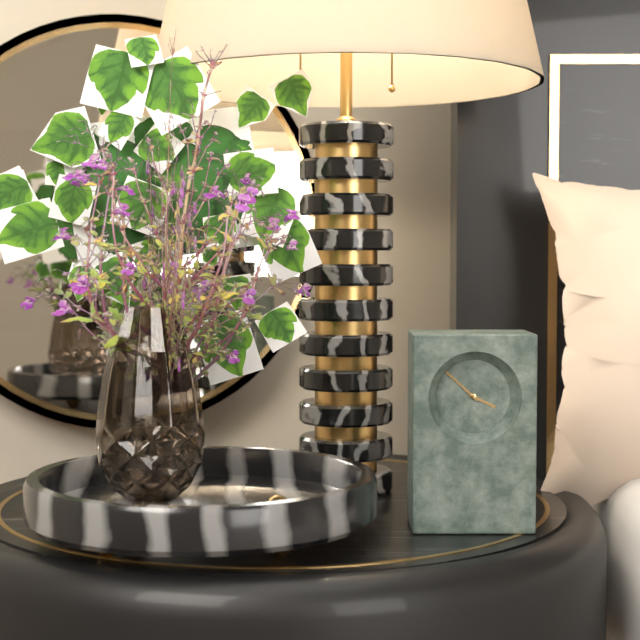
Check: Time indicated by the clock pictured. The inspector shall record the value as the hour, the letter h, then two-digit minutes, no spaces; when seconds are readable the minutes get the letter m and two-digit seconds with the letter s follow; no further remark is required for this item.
3h52
